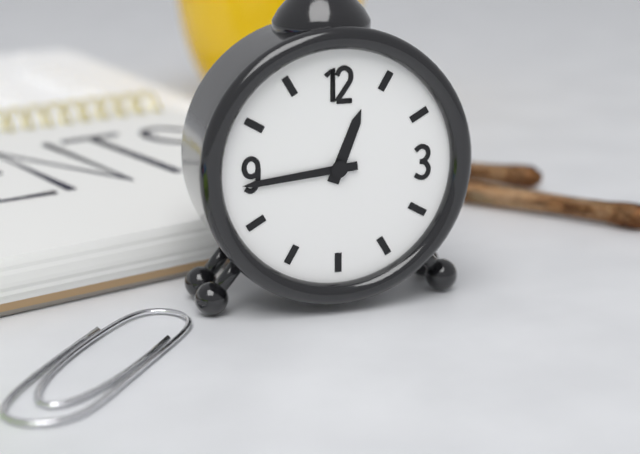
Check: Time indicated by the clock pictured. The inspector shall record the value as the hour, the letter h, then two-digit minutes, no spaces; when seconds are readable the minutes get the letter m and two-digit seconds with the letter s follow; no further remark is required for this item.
12h44
